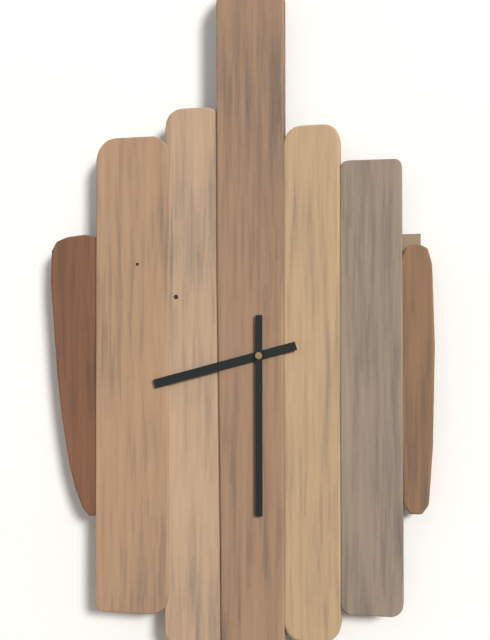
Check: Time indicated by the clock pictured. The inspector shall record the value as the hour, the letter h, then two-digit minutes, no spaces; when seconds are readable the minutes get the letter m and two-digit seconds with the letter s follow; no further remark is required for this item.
8h30
